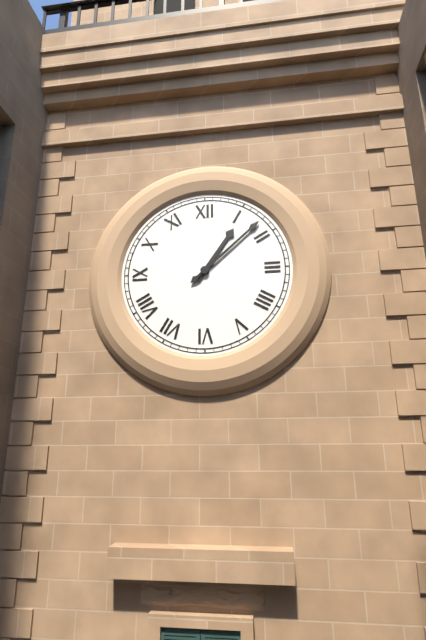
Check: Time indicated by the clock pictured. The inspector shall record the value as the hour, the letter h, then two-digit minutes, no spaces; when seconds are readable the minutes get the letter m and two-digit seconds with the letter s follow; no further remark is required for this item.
1h08
